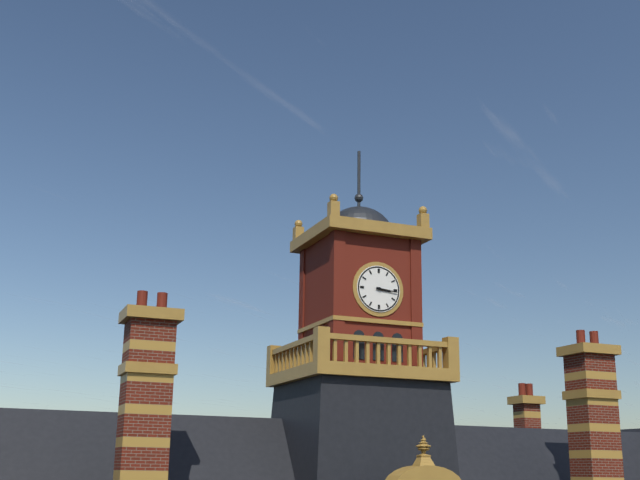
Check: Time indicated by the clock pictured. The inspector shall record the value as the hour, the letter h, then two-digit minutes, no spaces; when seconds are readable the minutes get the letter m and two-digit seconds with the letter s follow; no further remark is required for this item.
3h16
